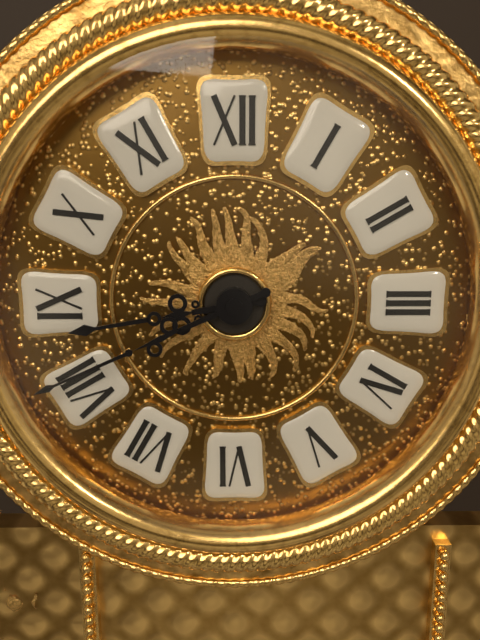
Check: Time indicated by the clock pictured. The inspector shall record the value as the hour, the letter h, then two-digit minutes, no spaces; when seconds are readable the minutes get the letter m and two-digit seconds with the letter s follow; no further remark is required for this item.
8h41
